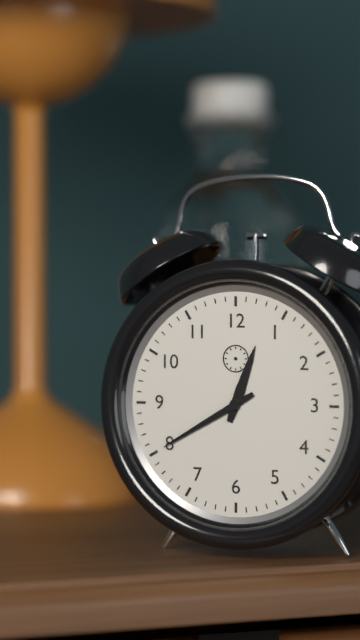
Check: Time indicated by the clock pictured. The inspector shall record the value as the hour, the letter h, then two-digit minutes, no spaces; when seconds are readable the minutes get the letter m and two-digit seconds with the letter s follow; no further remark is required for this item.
12h40
